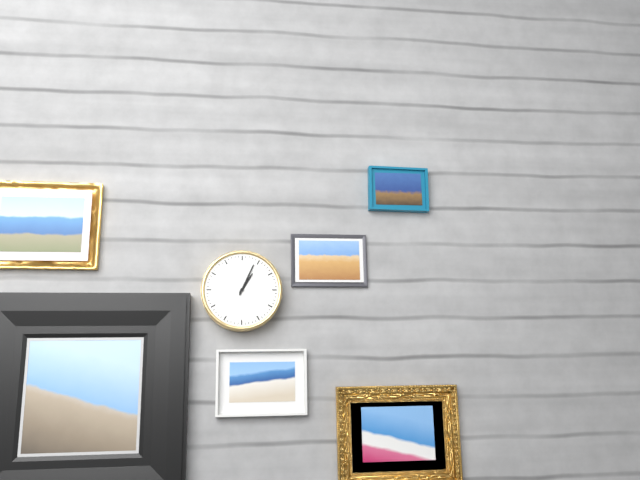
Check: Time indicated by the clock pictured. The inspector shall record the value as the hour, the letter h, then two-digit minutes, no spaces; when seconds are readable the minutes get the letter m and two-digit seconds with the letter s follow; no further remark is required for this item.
1h04
